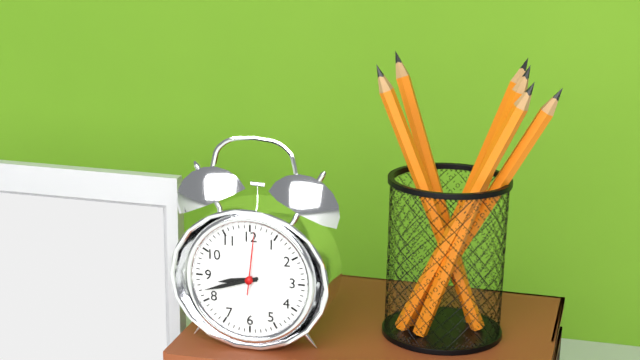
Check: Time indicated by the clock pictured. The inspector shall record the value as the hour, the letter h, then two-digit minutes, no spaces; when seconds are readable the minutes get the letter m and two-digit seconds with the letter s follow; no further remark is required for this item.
8h42m01s
